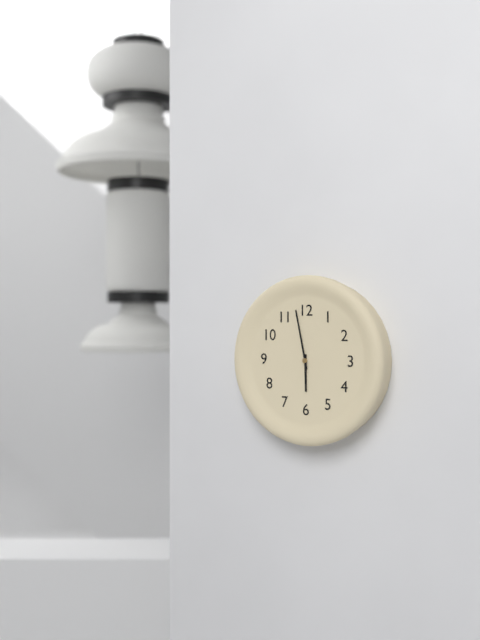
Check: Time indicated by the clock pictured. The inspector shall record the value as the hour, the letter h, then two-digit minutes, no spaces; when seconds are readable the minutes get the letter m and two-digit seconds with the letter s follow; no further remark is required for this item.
5h58
